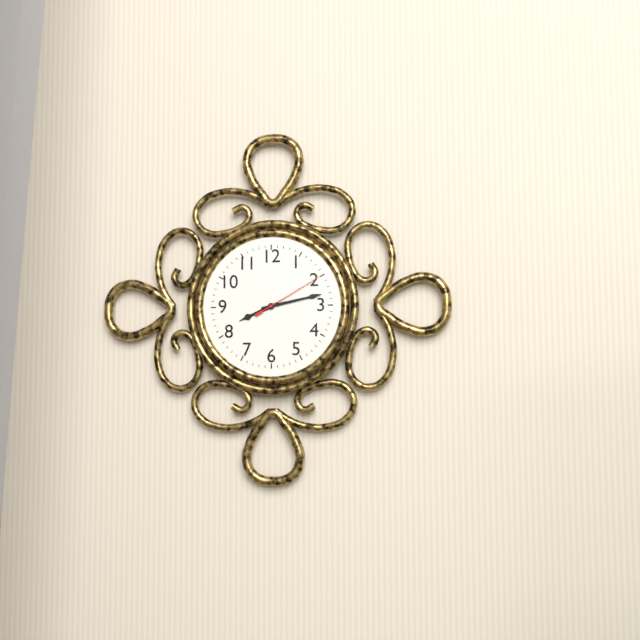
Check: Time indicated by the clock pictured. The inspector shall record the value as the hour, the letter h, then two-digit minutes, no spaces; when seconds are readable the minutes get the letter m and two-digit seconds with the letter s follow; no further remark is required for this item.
8h13m10s
